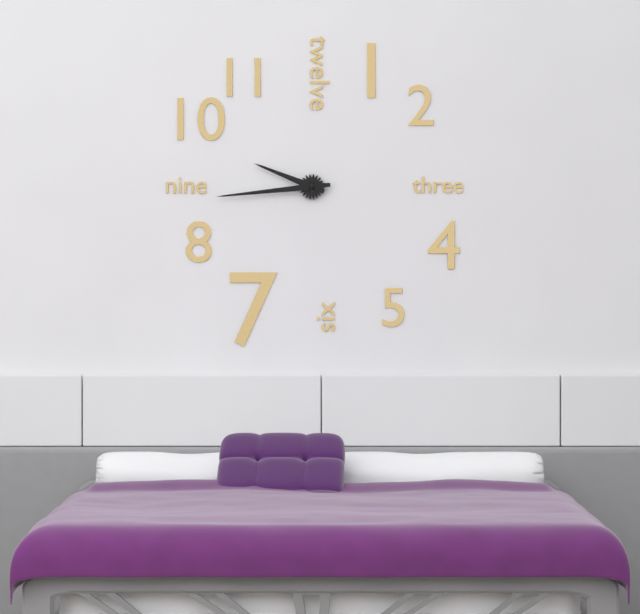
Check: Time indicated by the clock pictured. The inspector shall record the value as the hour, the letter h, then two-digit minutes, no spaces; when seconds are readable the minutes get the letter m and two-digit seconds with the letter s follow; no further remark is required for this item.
9h44
